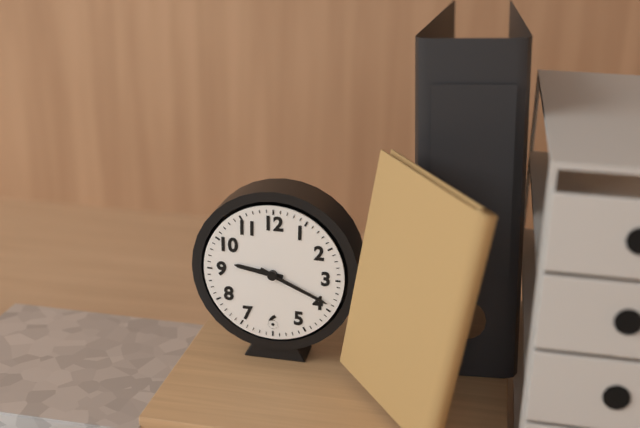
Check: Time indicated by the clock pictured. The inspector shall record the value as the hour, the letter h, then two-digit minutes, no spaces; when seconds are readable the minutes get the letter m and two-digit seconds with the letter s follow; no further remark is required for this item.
9h19
